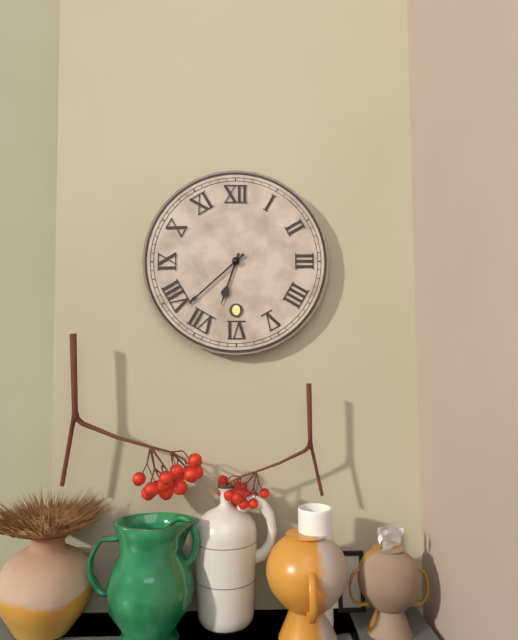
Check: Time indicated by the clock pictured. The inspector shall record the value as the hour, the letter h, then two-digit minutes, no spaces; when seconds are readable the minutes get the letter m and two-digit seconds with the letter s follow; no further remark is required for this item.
6h38
